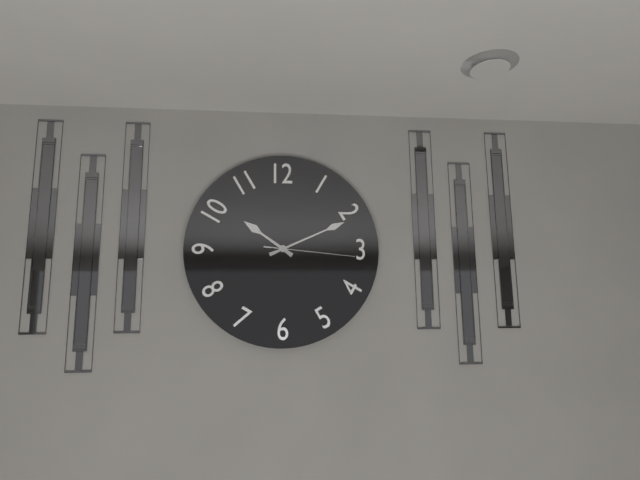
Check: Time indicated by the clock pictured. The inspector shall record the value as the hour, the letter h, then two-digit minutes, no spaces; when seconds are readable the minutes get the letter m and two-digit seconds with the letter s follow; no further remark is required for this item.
10h11m16s
